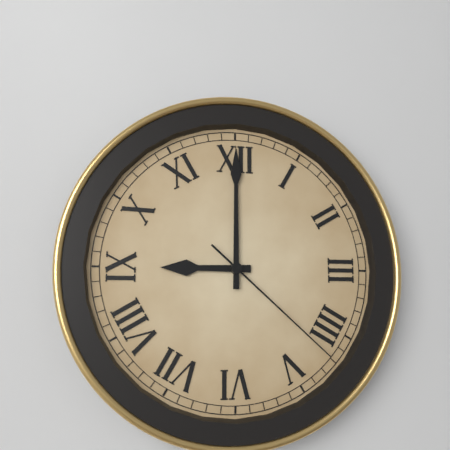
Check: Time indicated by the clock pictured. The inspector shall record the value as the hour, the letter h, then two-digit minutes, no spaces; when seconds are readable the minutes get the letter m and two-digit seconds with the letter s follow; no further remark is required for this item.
9h00m22s
